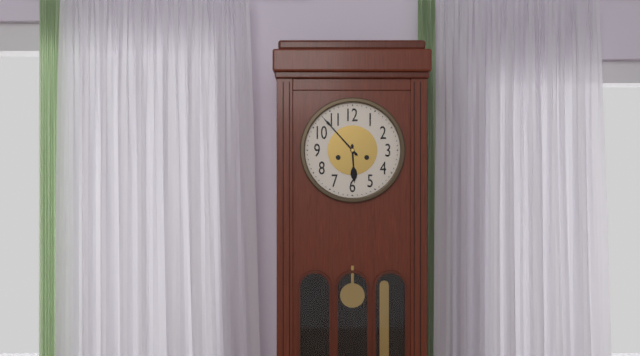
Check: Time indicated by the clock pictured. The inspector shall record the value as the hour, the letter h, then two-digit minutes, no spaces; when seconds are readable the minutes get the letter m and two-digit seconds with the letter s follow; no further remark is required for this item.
5h53
